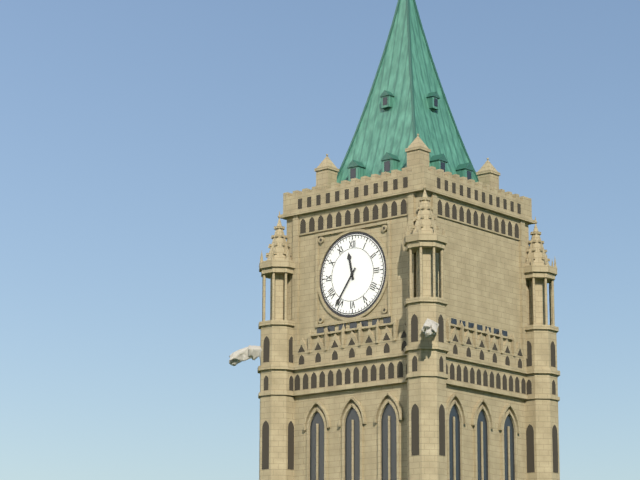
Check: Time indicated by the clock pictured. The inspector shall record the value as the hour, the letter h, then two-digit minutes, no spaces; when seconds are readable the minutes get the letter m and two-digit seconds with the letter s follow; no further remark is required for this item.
11h36
